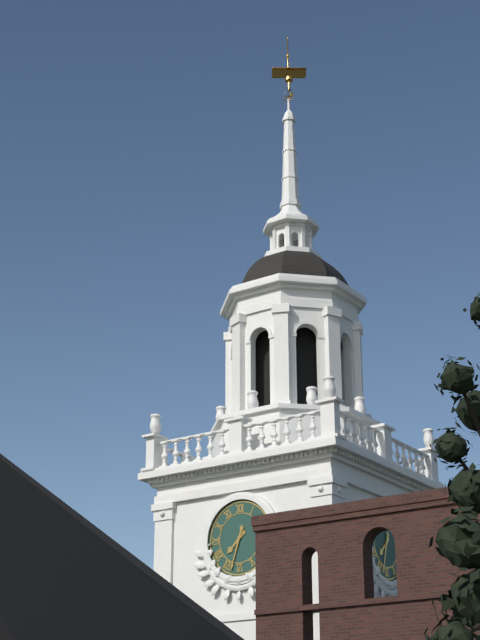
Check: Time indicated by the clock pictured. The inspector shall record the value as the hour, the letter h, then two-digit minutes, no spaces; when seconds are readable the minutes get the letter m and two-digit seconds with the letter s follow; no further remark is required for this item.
7h33
